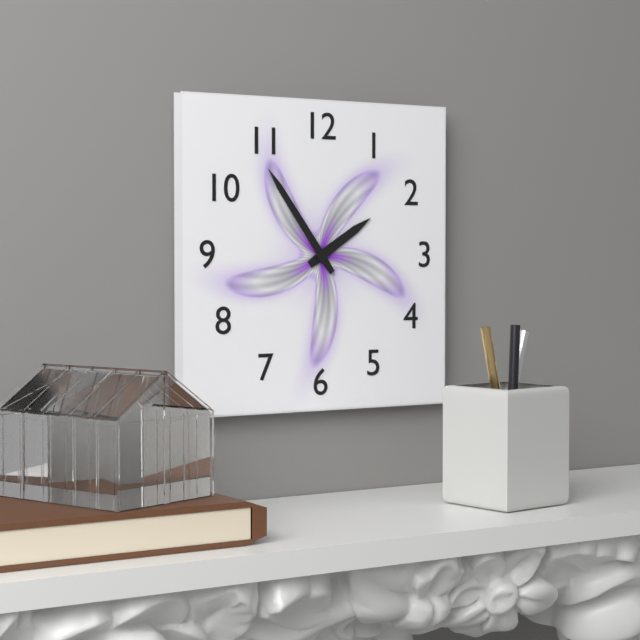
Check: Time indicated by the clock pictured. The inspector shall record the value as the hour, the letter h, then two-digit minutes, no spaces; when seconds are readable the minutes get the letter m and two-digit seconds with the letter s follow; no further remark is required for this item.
1h54
